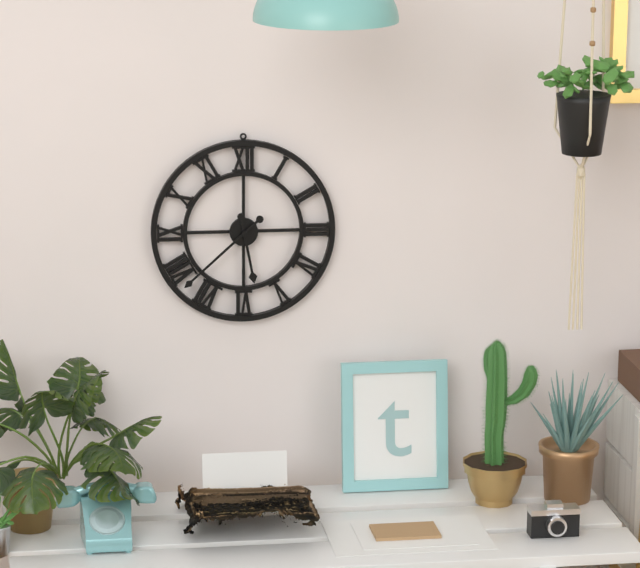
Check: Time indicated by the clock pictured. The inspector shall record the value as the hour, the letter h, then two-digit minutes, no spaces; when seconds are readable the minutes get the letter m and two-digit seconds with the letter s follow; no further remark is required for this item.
5h38
